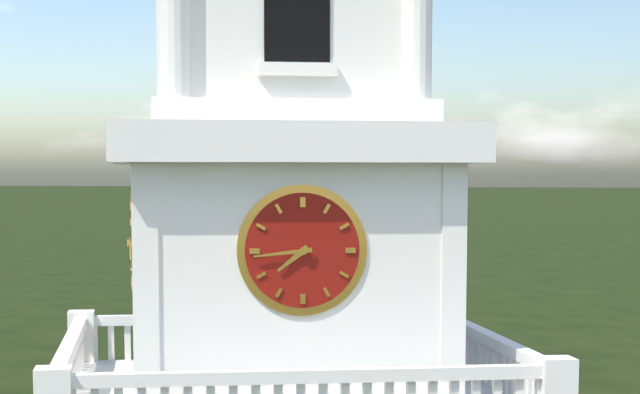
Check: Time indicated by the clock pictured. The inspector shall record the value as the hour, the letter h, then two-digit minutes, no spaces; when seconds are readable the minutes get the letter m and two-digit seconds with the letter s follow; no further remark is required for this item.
7h44
